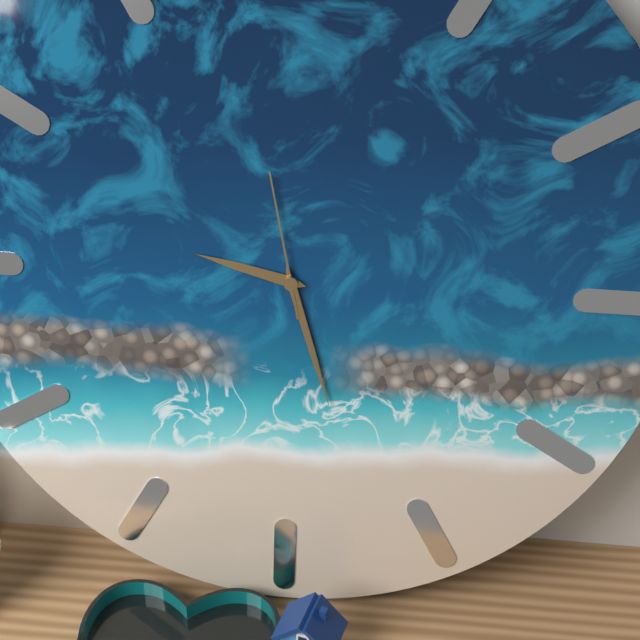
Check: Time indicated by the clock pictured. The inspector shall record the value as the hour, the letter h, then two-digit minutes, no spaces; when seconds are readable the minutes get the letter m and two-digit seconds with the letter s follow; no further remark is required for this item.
9h27m58s
